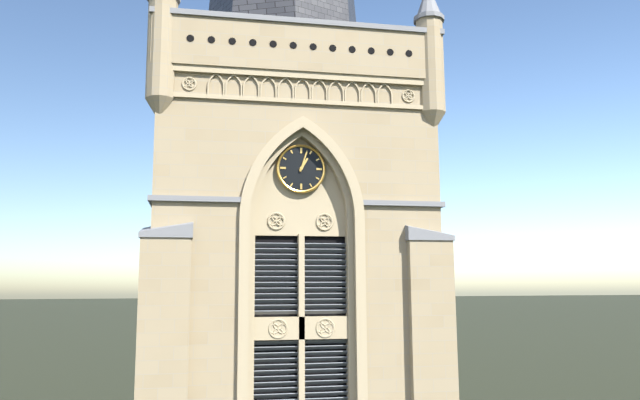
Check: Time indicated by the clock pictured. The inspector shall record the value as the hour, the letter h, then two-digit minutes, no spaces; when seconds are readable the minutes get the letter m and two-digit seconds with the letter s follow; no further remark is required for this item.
1h03
